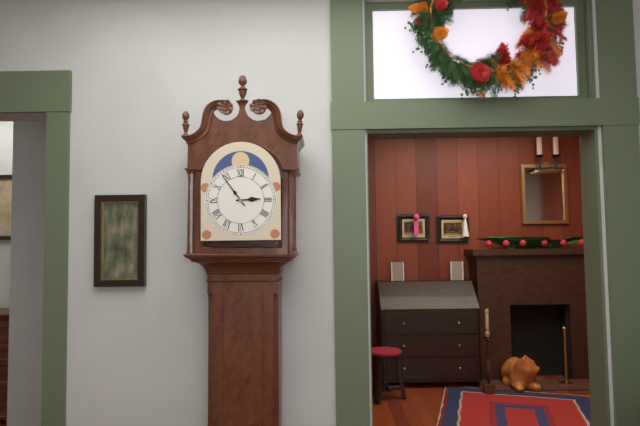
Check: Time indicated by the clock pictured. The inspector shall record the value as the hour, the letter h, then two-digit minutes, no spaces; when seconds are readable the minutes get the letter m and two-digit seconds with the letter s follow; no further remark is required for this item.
2h54
